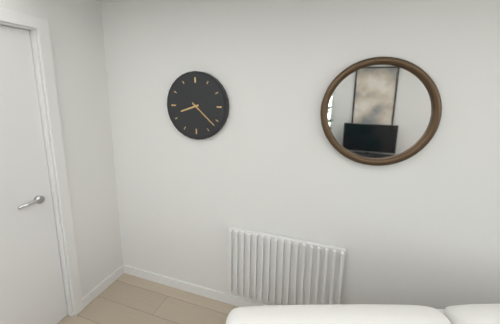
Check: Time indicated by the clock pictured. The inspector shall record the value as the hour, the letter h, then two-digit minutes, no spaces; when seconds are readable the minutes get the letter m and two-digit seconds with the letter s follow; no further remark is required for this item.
8h22
